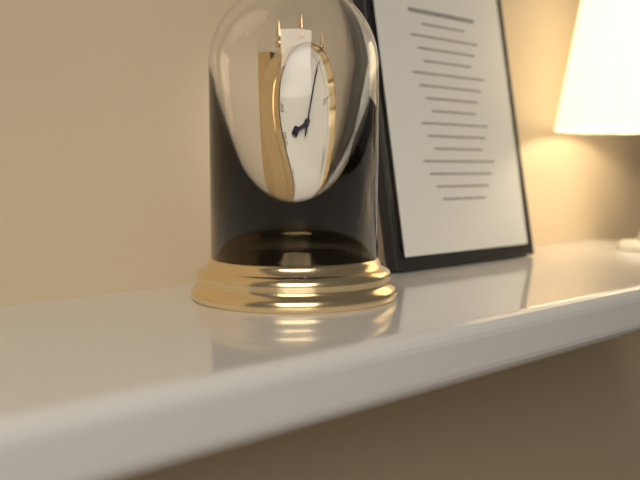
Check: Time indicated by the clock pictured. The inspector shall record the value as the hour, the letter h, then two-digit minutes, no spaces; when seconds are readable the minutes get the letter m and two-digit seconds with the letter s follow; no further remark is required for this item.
8h04
